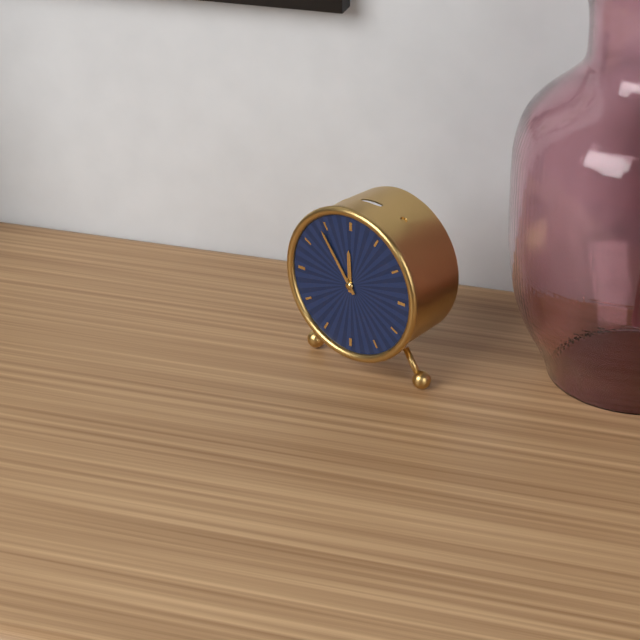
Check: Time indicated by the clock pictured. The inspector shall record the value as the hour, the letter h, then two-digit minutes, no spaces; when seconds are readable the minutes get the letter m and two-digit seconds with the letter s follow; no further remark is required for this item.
11h54
